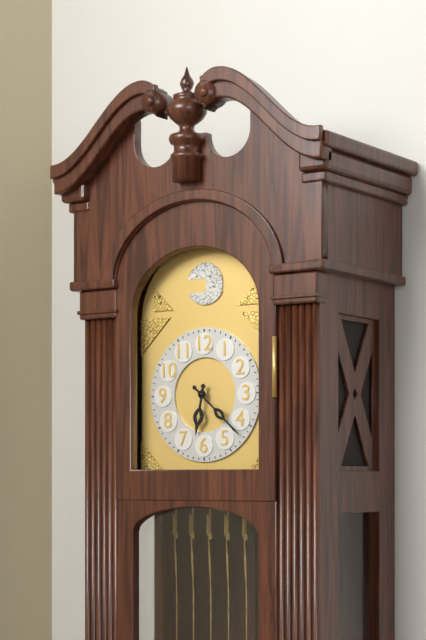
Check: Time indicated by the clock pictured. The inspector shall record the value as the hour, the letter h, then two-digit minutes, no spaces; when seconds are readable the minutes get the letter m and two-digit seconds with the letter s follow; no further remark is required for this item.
6h22
